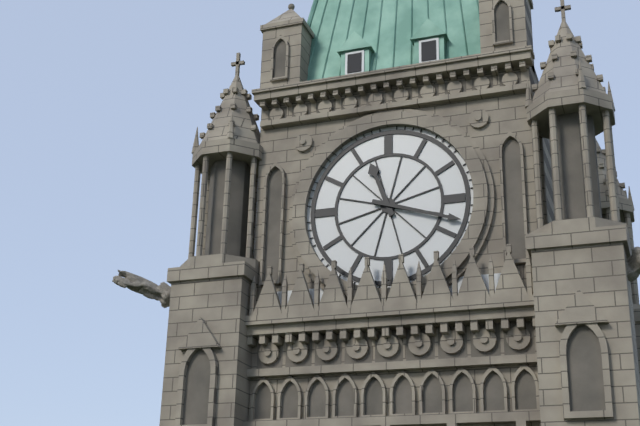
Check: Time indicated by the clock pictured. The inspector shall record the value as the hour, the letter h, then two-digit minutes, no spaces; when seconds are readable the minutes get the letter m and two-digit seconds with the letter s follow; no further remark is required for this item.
11h18
